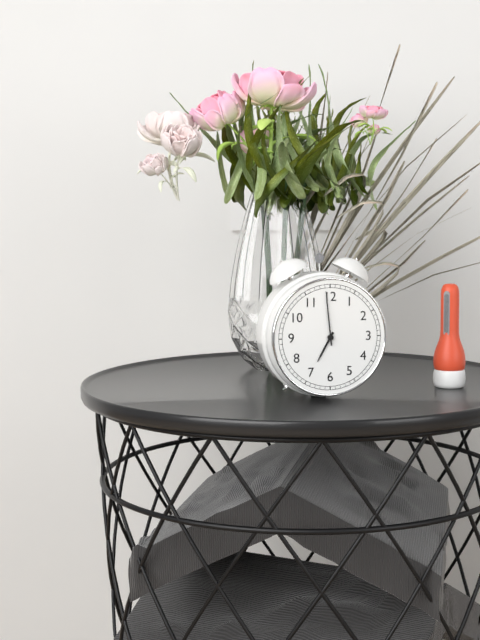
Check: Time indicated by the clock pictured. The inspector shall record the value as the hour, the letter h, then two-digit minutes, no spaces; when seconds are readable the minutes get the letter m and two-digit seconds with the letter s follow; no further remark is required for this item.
6h59
